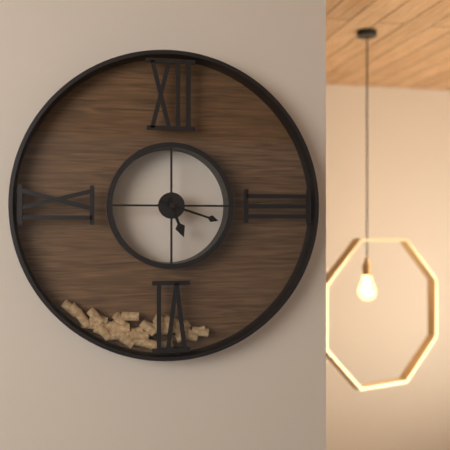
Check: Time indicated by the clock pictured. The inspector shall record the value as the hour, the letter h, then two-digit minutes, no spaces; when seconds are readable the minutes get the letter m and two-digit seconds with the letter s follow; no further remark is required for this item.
5h18
